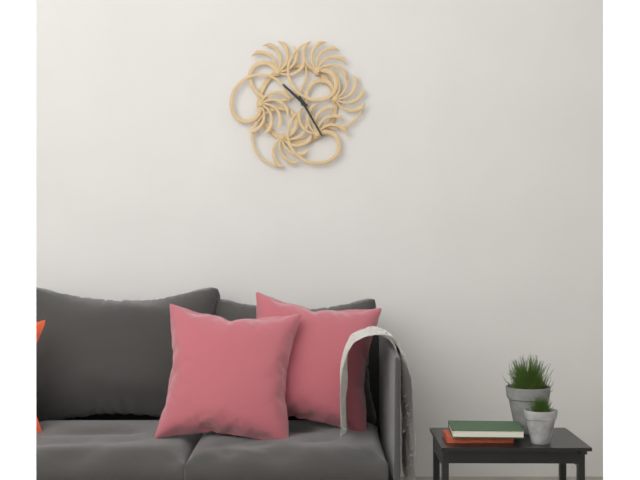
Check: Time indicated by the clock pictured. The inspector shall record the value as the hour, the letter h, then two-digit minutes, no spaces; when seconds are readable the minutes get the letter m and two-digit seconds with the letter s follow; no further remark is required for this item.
10h25
